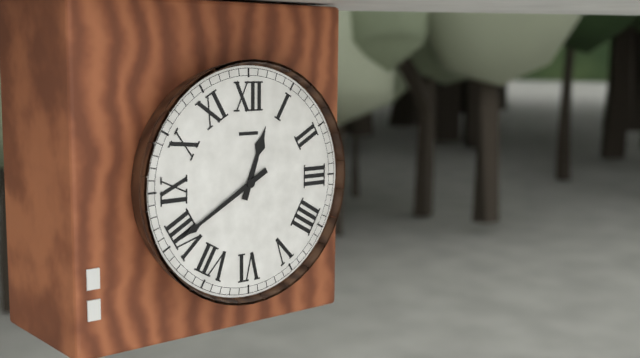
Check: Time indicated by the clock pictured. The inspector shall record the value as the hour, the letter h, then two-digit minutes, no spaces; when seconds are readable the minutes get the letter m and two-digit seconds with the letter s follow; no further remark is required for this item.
12h40
